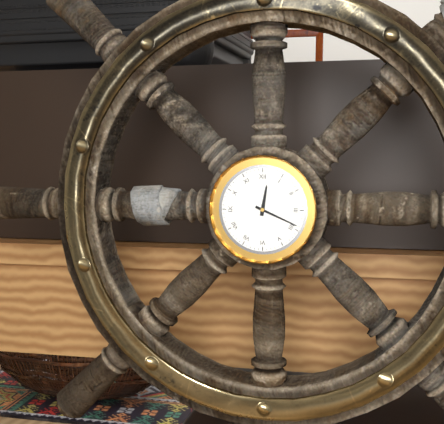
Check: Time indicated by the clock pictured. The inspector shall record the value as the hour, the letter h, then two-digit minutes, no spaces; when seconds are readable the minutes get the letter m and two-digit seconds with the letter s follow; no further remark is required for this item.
12h19
